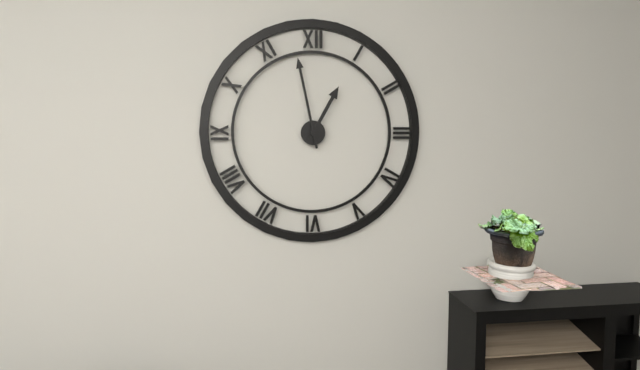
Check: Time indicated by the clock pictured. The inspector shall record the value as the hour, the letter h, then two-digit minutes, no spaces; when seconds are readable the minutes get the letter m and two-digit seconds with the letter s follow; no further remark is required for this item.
12h58
